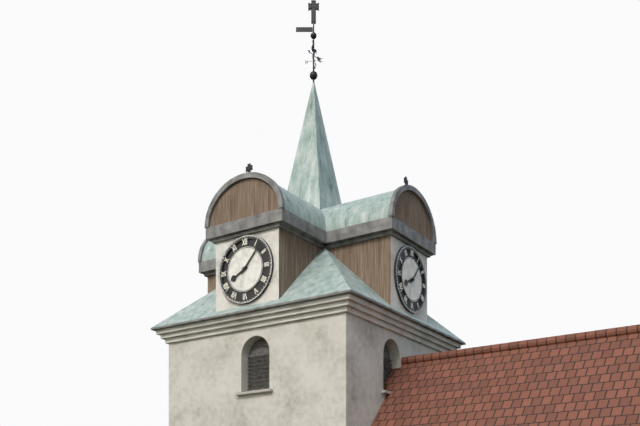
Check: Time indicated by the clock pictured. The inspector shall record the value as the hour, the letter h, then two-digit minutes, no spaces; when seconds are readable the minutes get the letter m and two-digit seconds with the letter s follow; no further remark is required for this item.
8h07
